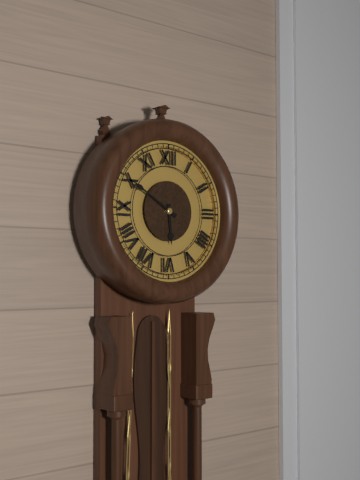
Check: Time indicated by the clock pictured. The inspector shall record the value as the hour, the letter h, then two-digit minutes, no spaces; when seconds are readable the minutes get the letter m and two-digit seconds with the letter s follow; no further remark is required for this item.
5h50
